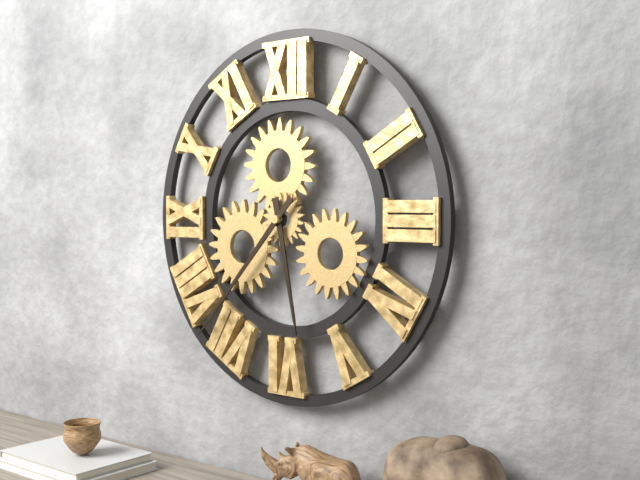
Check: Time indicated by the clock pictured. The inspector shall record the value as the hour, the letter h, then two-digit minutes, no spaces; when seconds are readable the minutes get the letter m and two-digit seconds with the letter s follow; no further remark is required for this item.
5h37
